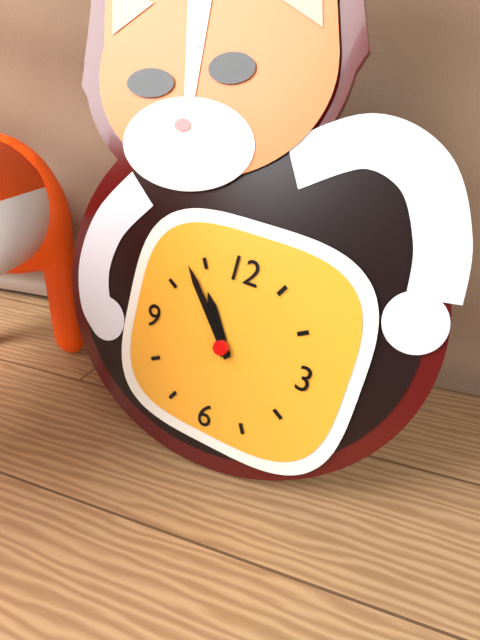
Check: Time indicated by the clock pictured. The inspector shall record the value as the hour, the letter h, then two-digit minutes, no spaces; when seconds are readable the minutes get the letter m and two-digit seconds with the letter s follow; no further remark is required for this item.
10h53
